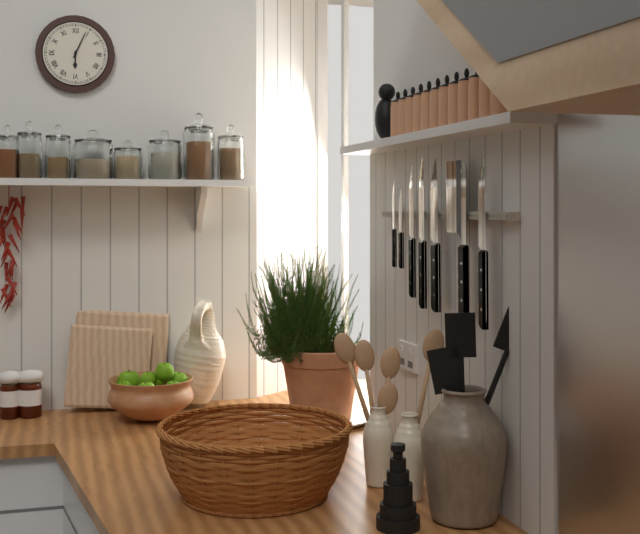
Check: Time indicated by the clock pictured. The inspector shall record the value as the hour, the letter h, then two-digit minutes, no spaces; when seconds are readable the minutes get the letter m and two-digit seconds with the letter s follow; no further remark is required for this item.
6h04
